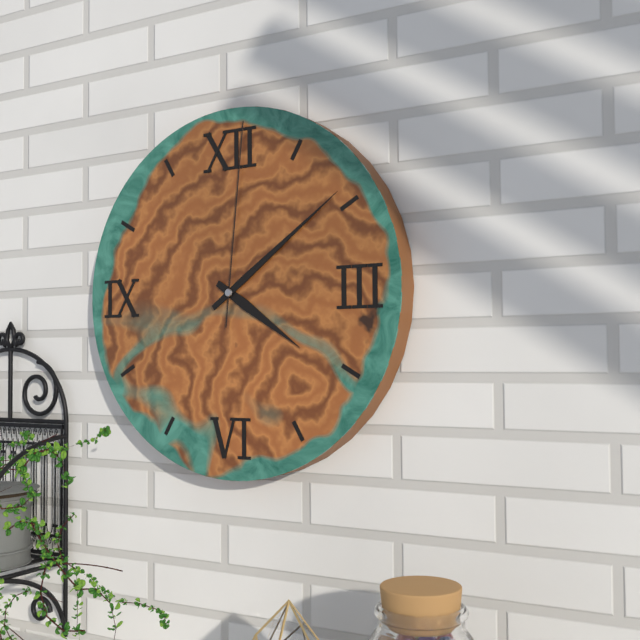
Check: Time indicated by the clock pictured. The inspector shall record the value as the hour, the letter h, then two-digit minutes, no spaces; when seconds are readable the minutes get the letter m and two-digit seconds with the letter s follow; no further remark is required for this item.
4h09m01s
